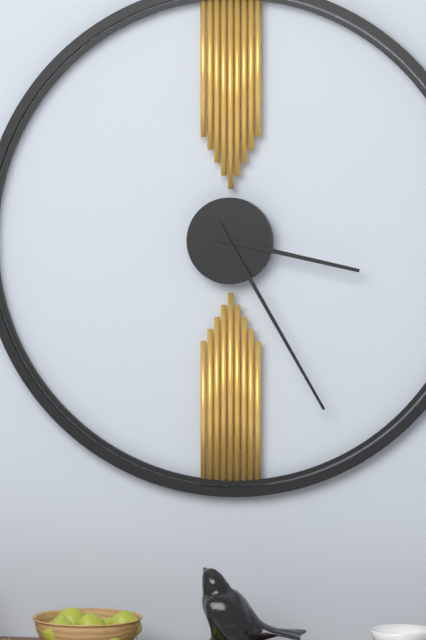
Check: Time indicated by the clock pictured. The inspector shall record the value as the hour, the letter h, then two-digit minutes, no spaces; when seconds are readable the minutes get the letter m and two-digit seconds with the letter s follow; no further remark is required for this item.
3h25
